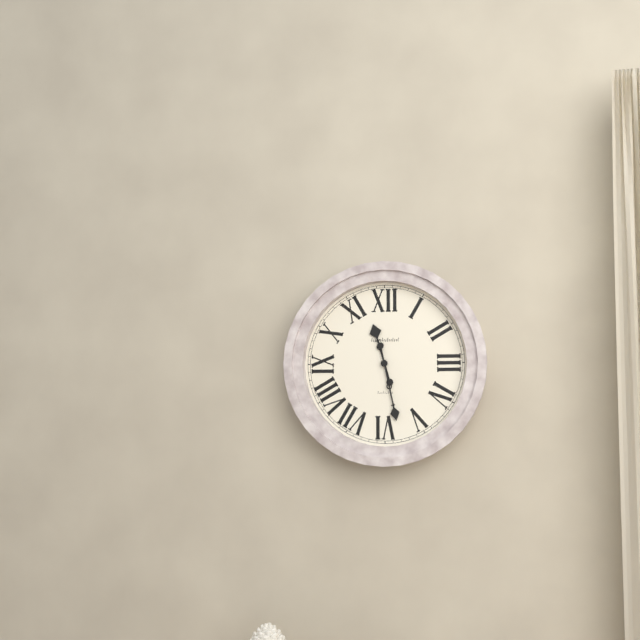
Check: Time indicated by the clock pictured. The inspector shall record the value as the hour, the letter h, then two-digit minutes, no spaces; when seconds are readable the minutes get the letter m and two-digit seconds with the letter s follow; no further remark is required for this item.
11h28
